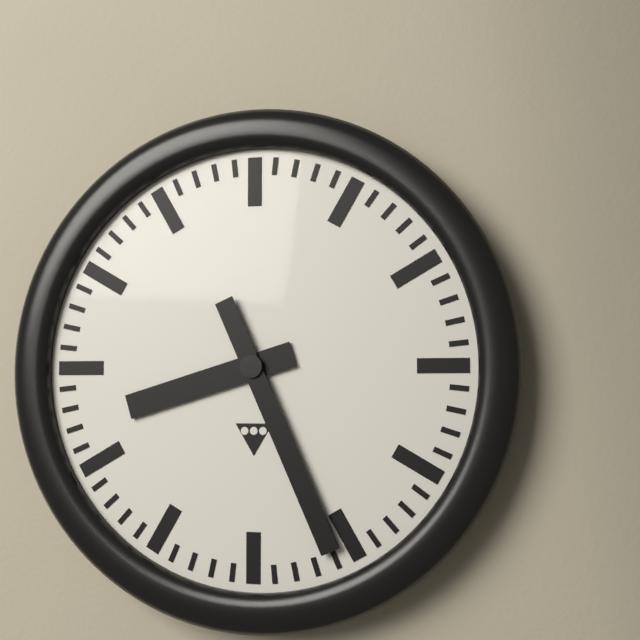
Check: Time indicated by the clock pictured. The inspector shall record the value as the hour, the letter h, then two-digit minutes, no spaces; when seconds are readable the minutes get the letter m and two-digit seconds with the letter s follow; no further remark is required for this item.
8h26
